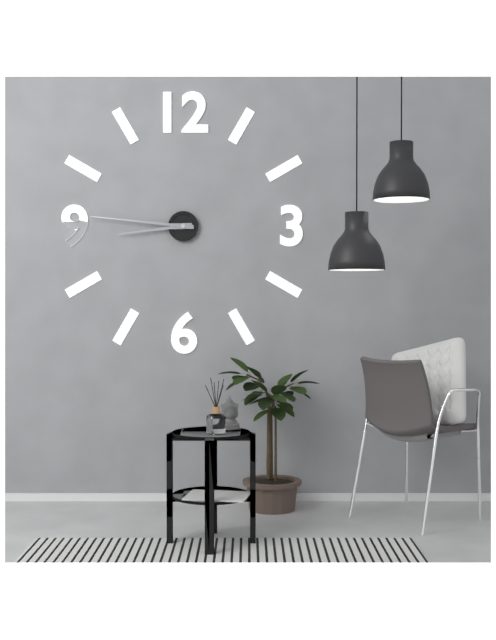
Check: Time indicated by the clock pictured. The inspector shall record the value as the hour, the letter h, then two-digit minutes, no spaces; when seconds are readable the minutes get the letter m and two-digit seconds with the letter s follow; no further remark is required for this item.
8h46
